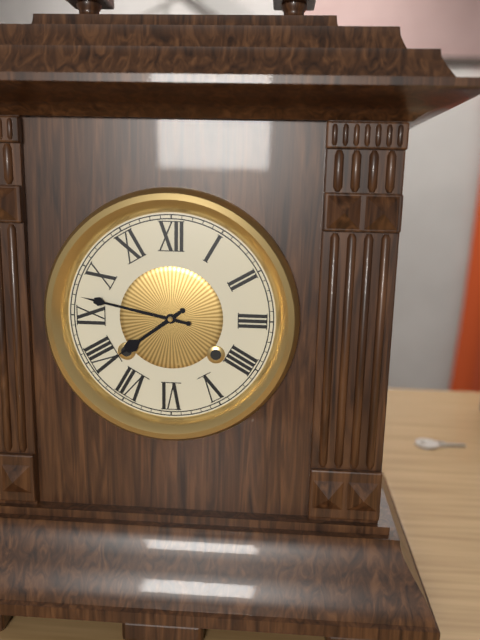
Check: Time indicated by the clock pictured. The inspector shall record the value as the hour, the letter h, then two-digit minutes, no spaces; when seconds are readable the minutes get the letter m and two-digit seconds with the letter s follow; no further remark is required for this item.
7h47
